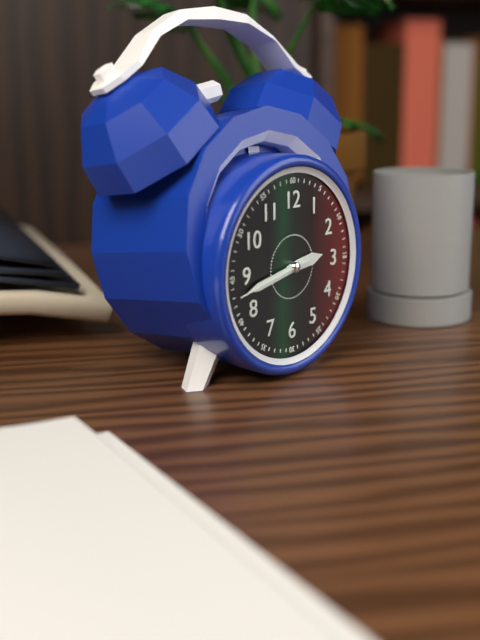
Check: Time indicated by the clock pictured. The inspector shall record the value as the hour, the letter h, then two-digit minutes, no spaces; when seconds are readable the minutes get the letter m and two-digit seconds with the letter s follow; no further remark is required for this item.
2h43m43s
